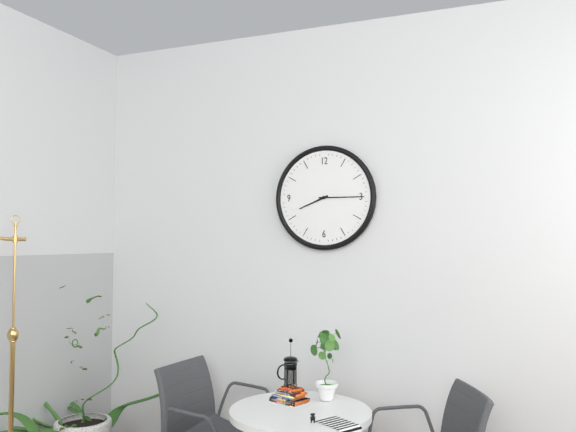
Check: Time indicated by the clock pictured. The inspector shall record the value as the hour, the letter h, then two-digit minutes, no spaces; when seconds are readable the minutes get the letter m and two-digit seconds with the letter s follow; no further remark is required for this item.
8h15
